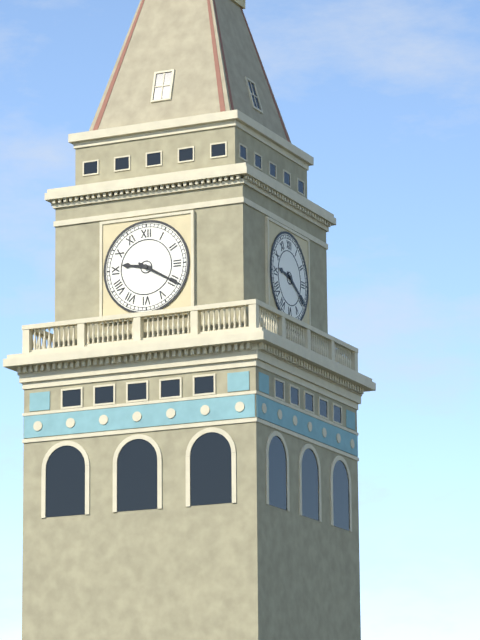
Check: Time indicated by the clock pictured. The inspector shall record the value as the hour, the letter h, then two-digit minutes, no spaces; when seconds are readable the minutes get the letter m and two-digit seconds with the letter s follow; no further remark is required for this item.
9h20
